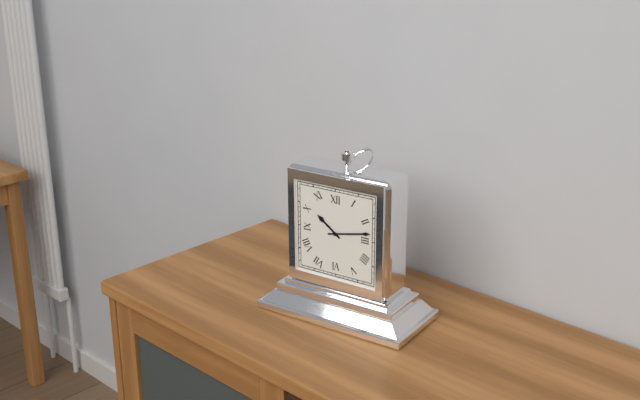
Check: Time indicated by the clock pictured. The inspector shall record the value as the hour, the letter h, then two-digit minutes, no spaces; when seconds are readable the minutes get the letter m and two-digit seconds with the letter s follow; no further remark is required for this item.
10h13
